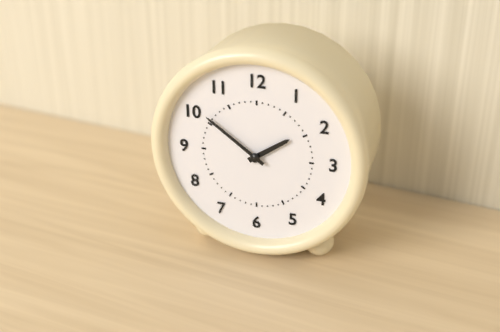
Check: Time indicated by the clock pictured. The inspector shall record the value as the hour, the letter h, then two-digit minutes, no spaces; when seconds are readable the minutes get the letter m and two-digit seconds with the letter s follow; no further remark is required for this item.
1h51
